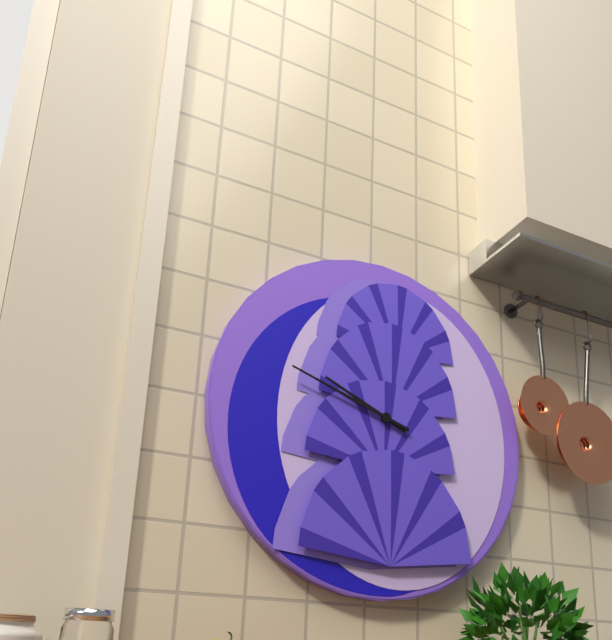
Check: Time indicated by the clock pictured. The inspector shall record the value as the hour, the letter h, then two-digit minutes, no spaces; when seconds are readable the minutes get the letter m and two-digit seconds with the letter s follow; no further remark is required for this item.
9h48
